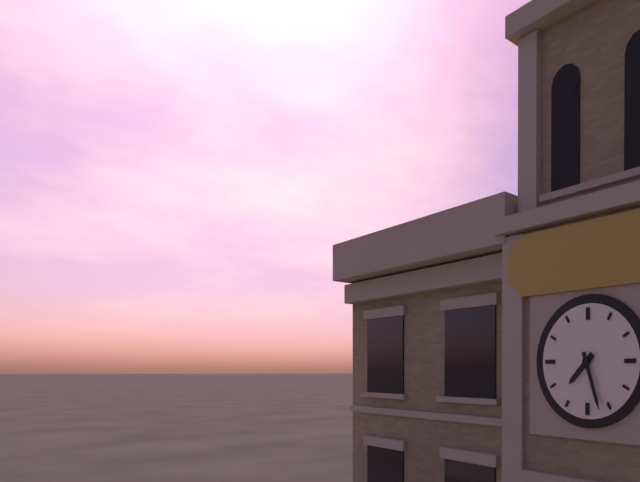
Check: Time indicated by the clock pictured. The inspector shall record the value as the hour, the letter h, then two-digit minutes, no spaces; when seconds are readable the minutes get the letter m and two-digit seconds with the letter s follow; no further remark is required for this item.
7h27
